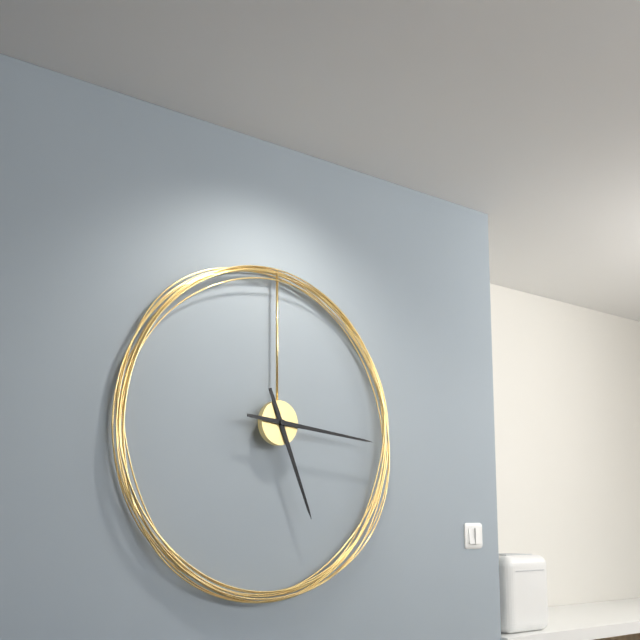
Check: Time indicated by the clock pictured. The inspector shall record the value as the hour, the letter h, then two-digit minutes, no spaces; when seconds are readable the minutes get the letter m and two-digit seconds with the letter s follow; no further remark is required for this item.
5h16
